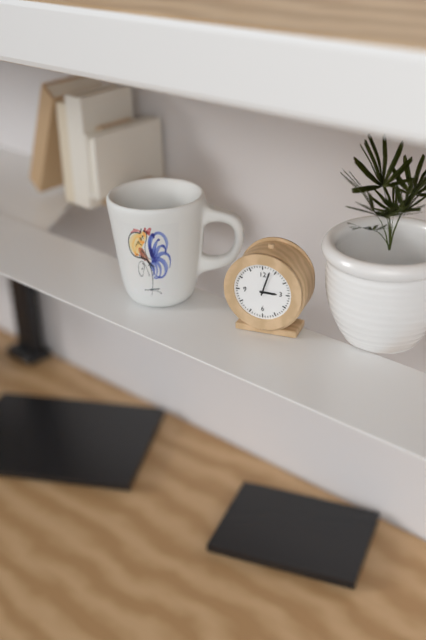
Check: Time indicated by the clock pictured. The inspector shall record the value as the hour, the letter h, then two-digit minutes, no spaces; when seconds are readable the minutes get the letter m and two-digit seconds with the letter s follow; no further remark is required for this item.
3h03
